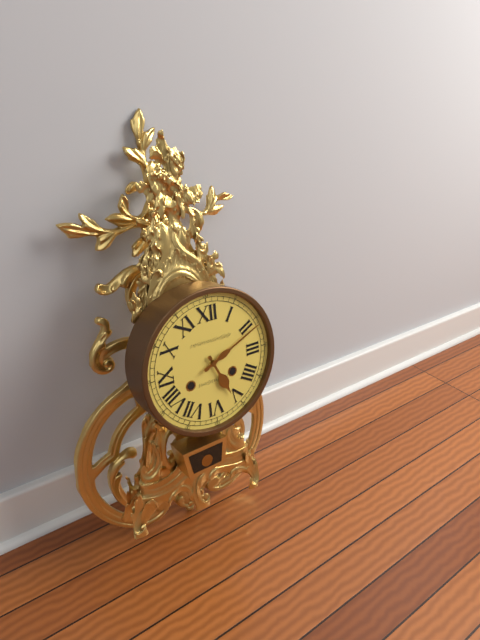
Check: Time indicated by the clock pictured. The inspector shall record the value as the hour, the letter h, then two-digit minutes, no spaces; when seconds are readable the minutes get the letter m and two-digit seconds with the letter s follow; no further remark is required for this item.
5h11
